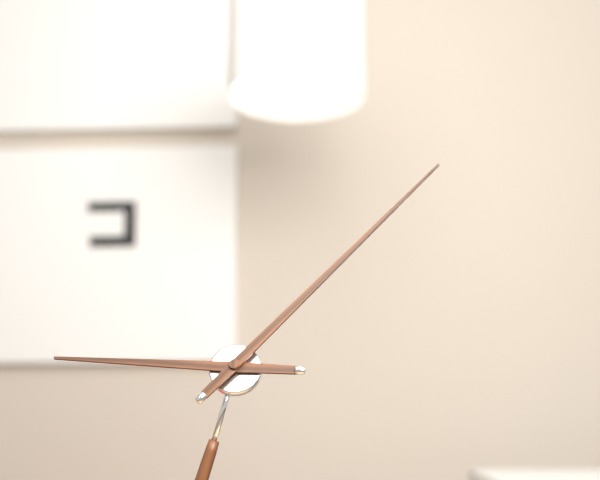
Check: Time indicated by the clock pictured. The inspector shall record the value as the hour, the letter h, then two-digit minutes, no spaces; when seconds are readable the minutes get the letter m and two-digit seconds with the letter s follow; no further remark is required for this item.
9h07
